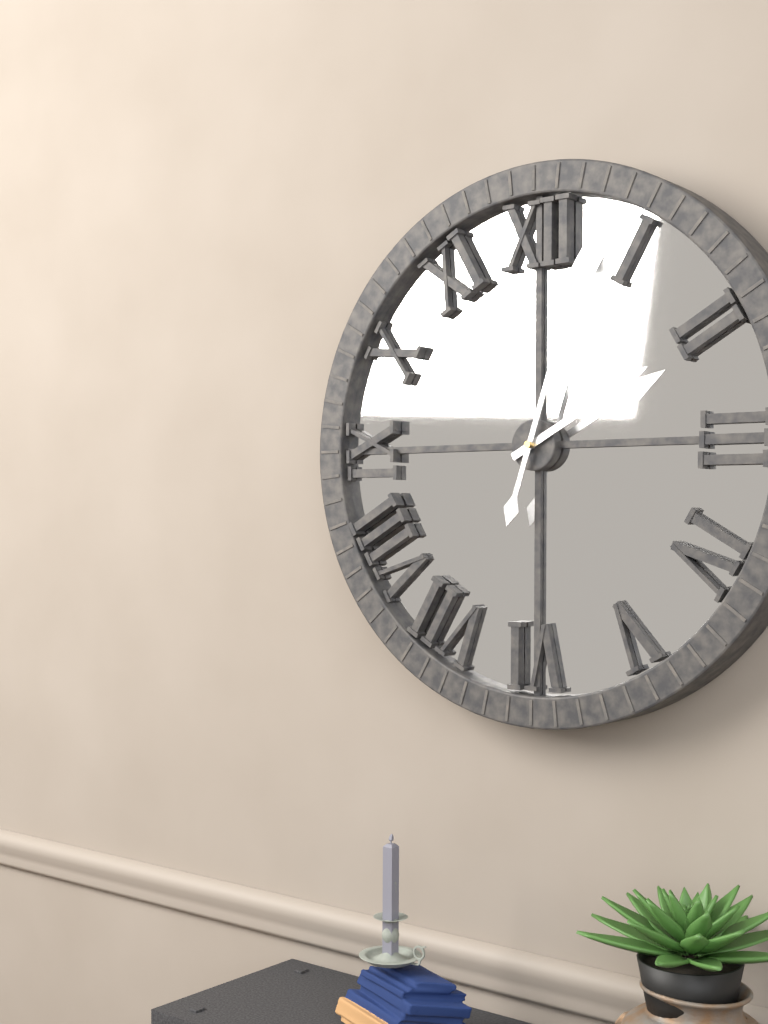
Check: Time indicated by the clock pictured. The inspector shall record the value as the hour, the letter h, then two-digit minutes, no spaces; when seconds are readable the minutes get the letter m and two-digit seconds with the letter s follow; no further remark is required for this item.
2h03
